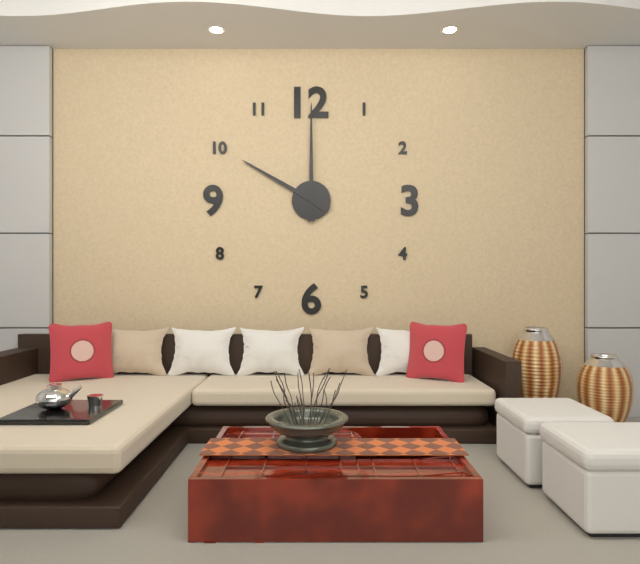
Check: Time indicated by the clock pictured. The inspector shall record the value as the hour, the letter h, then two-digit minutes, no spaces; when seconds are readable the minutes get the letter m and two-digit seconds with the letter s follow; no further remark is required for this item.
10h00
